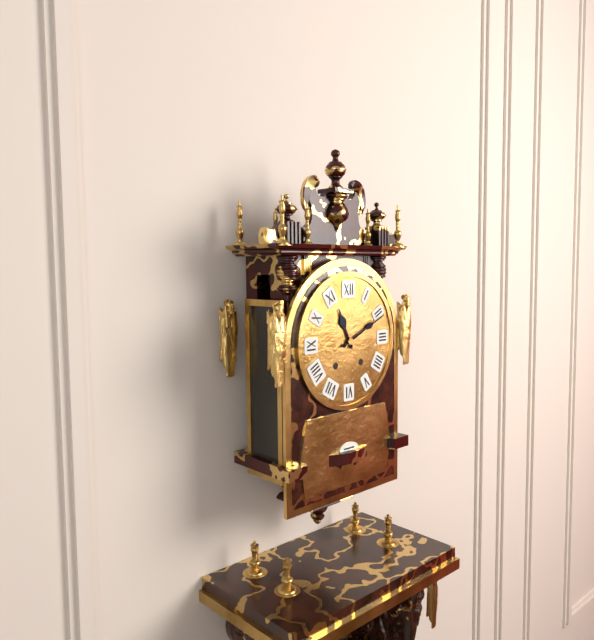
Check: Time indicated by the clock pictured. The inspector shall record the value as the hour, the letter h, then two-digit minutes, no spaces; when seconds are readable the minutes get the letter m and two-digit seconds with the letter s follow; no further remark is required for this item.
11h11
